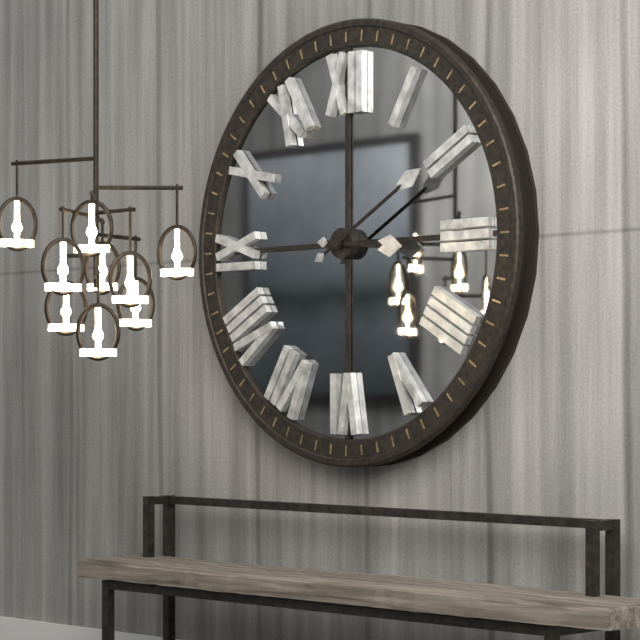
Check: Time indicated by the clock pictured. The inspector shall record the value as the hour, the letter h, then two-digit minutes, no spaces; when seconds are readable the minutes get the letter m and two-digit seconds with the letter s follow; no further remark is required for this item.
3h10
